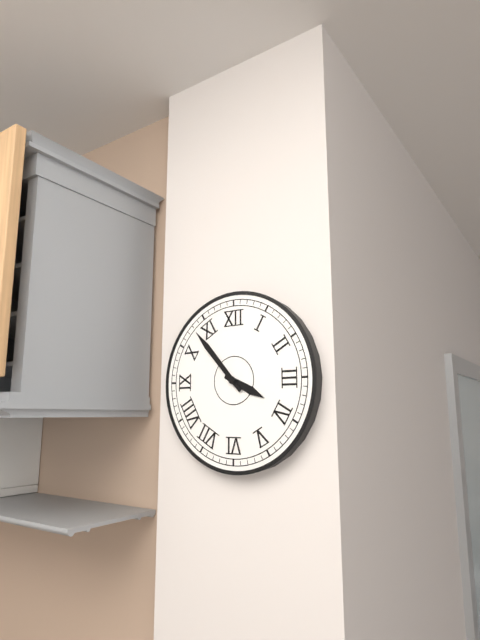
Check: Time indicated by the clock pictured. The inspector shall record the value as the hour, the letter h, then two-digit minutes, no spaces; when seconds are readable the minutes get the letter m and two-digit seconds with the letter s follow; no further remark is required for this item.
3h53
